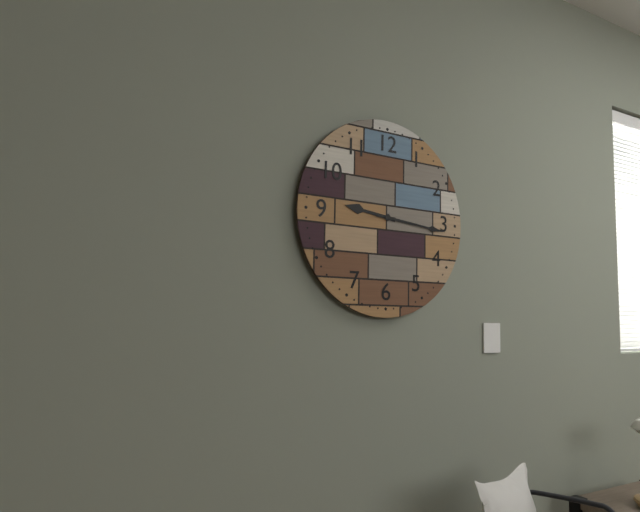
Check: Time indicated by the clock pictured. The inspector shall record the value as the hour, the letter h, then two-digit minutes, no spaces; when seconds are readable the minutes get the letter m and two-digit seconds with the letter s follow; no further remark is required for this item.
9h16
